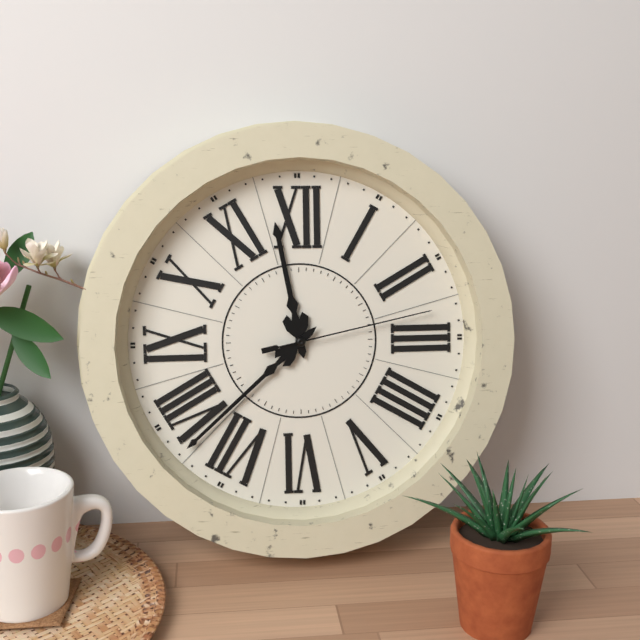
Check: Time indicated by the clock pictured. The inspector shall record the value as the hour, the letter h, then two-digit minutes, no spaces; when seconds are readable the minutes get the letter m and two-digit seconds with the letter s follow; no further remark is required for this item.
11h38m13s
